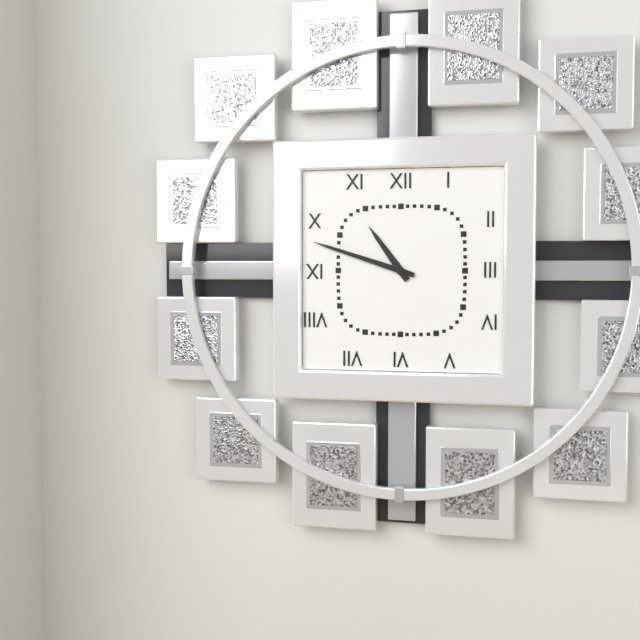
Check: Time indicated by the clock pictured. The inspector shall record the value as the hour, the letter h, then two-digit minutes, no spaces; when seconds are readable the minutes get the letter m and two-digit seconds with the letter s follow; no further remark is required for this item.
10h48
